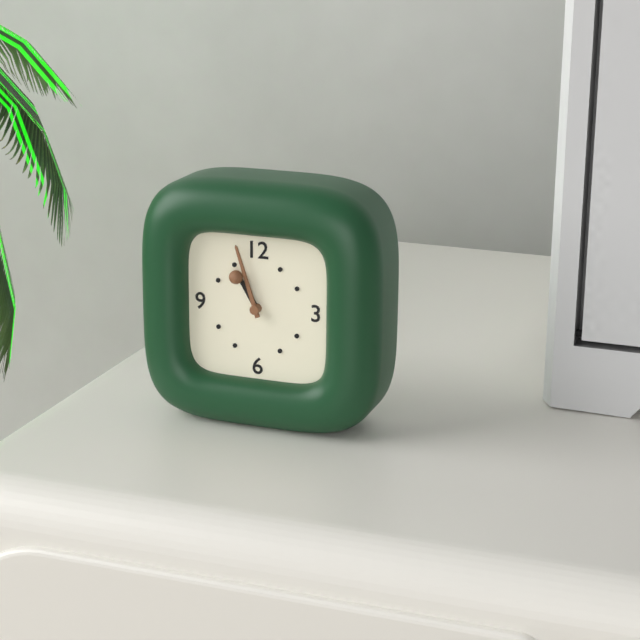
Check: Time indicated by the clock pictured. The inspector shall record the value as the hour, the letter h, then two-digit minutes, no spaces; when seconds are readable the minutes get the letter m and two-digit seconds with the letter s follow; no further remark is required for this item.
10h57
